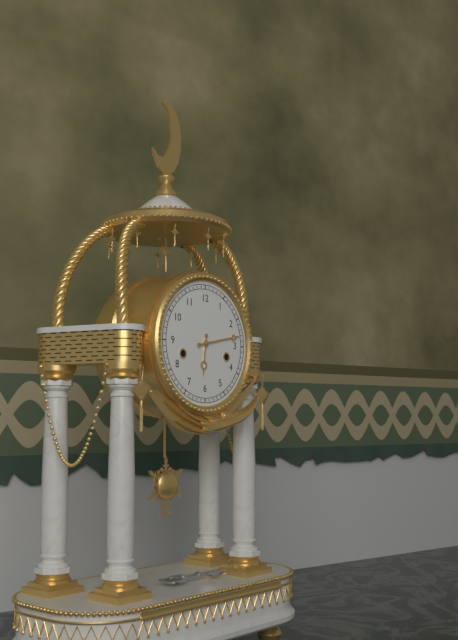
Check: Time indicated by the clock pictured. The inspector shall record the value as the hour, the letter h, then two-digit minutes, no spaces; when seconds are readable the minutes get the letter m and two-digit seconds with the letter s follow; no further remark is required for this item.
6h13
